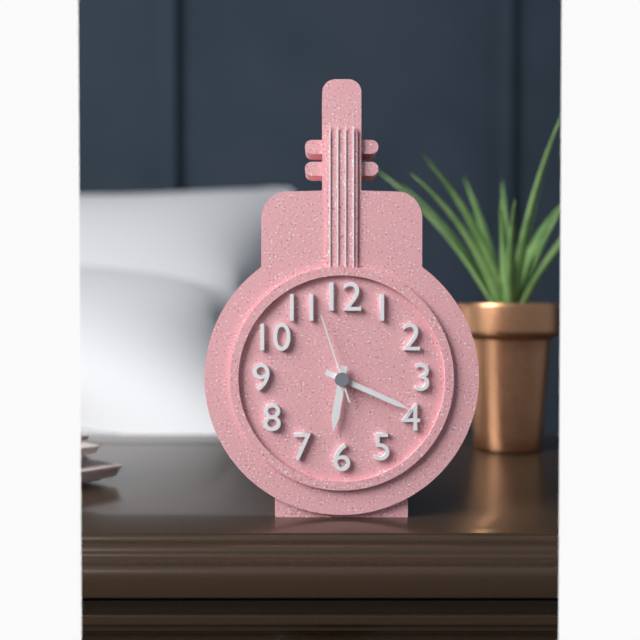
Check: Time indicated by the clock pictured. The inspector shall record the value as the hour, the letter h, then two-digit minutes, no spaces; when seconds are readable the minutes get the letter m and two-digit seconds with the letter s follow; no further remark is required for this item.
6h19m57s
